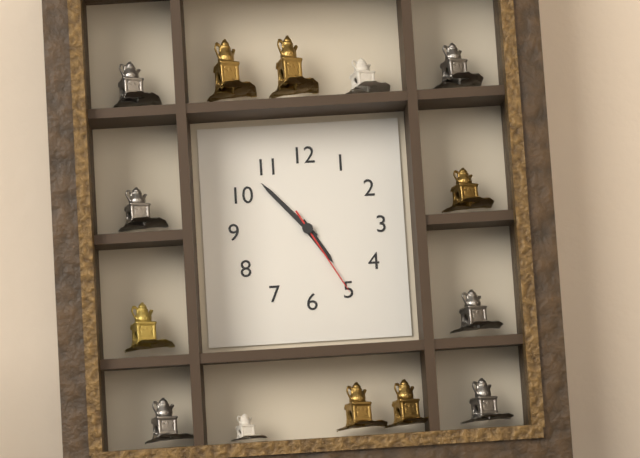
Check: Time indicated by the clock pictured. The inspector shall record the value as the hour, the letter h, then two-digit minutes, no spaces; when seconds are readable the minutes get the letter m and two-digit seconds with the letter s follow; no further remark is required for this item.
4h53m25s
